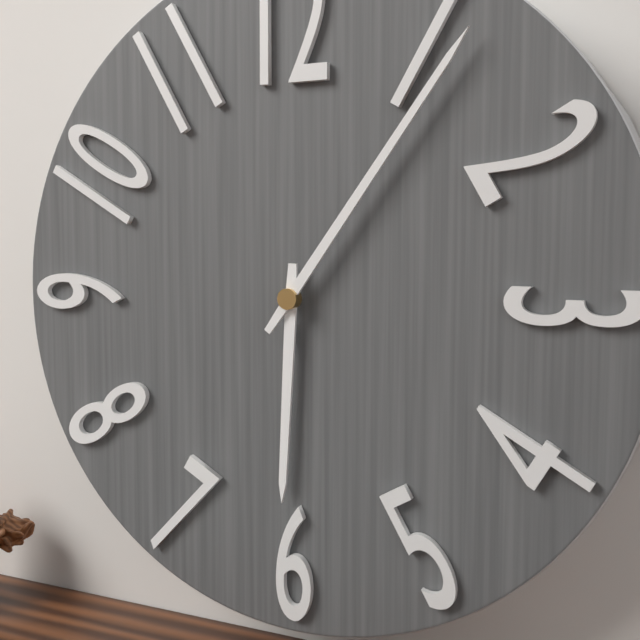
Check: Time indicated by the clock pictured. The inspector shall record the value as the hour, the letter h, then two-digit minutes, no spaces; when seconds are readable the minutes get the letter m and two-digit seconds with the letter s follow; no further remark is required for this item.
6h06
